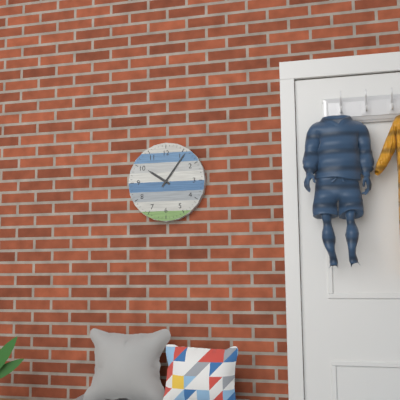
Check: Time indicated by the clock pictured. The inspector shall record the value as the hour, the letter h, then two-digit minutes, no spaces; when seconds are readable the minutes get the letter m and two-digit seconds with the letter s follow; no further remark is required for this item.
10h06
